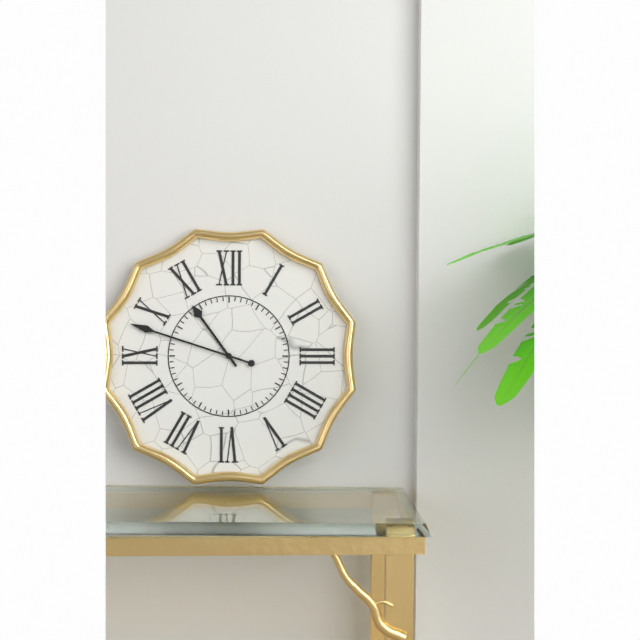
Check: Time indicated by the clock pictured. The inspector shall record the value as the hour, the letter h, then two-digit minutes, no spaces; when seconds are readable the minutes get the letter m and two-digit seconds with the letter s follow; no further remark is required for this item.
10h48
